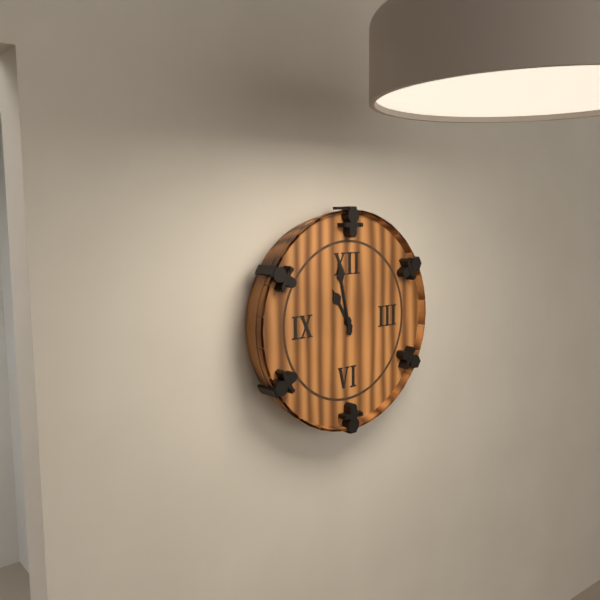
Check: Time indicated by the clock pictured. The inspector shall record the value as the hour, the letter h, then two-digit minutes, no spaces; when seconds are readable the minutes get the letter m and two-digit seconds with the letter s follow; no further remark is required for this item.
10h58
